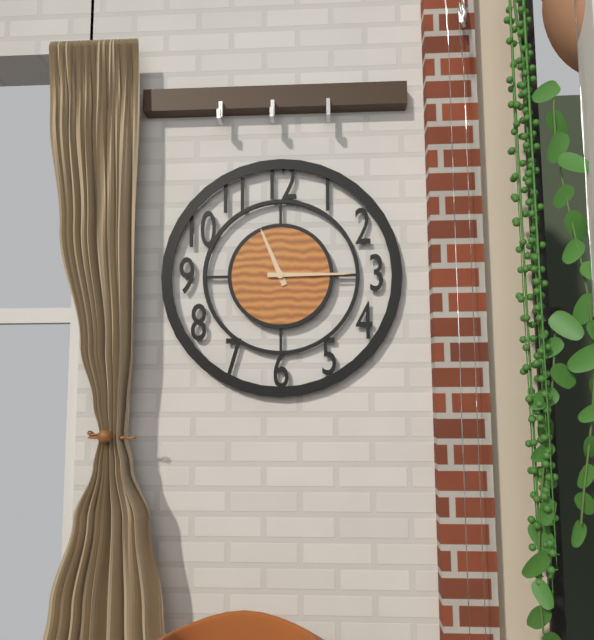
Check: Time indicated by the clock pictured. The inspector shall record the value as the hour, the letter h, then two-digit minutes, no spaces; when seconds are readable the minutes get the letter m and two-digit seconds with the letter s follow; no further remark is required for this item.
11h15
